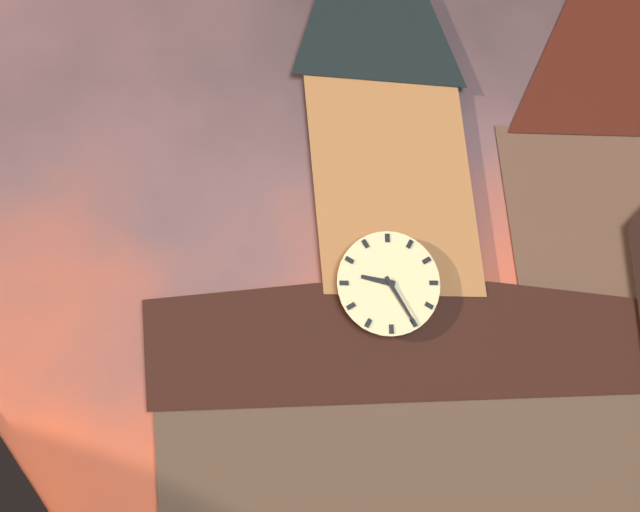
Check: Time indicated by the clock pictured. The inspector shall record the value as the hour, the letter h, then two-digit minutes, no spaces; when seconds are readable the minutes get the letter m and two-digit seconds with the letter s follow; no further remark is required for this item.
9h25
